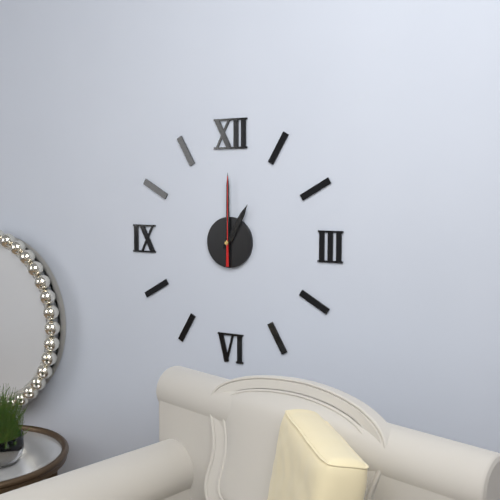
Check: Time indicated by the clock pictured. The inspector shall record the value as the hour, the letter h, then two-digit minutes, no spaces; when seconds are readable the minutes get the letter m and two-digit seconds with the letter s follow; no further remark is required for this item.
1h00m00s
